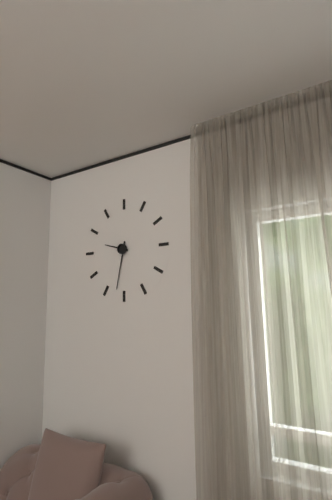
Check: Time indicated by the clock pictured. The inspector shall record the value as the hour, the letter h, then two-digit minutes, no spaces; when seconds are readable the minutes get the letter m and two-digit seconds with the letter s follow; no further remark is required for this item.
9h32
